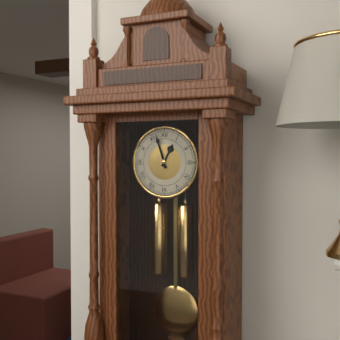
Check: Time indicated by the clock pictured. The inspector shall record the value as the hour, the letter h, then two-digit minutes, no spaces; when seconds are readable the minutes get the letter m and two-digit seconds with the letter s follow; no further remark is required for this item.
12h57
